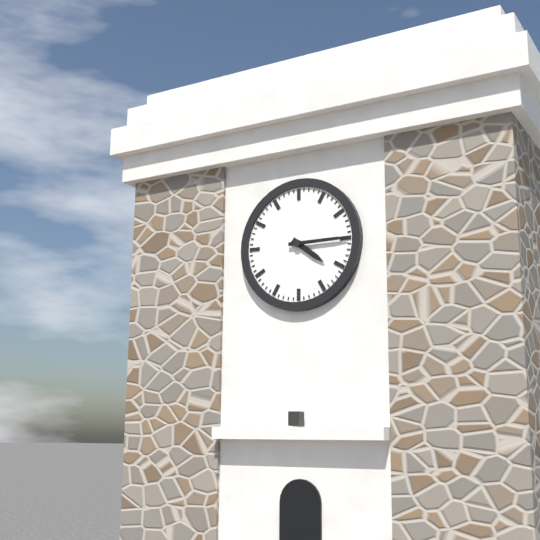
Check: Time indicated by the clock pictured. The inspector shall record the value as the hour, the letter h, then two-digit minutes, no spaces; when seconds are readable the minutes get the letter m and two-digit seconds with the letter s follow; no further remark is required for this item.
4h15
